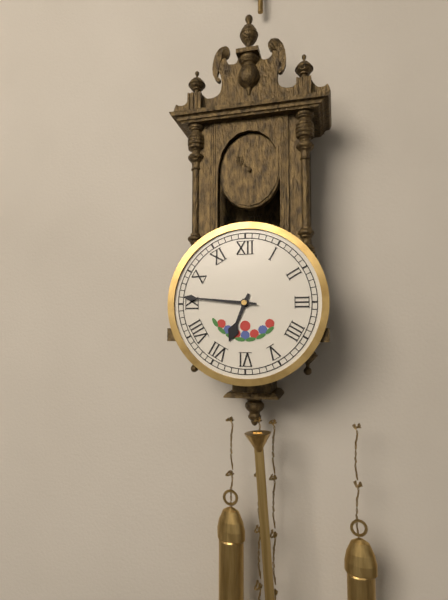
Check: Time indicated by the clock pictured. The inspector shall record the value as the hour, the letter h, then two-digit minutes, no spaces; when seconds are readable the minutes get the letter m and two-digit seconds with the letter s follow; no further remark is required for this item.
6h46
